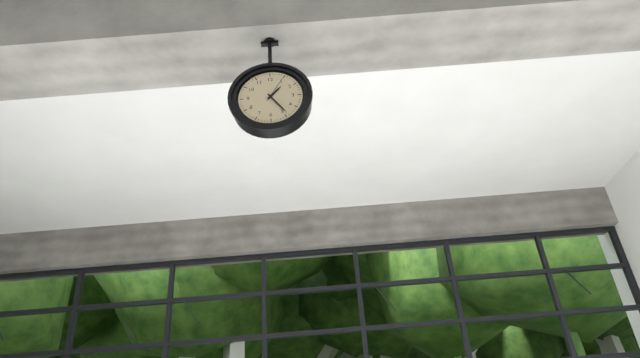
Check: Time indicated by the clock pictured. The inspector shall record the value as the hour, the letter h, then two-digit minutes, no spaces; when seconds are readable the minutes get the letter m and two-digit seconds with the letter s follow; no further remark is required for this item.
1h24
